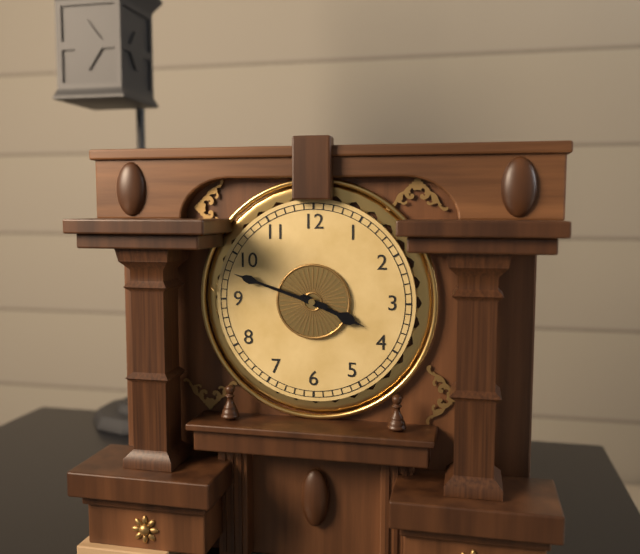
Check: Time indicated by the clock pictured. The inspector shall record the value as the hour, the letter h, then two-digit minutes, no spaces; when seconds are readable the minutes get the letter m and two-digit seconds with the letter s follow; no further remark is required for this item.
3h48
